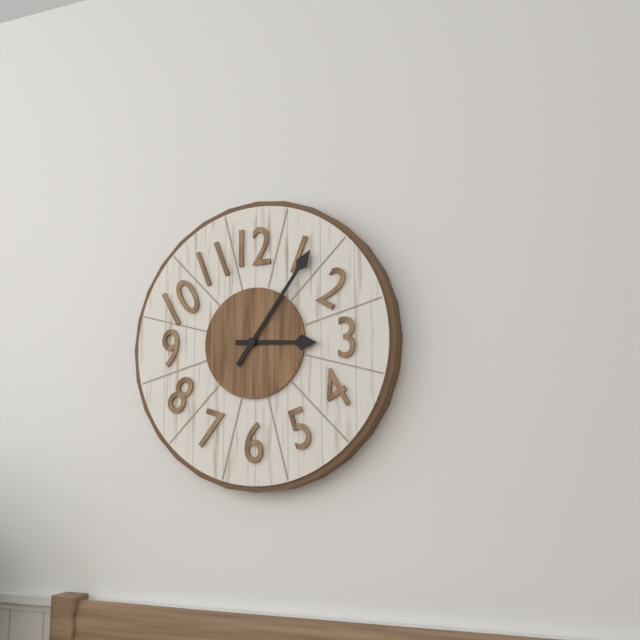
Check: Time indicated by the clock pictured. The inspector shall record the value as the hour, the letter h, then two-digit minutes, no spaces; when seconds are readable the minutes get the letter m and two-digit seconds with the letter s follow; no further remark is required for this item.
3h06
